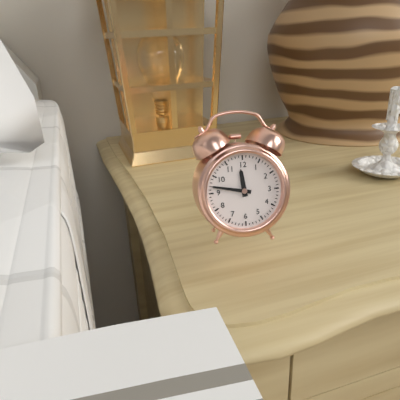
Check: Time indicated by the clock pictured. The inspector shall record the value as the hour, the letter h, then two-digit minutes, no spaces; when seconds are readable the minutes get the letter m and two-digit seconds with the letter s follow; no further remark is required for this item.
11h47
